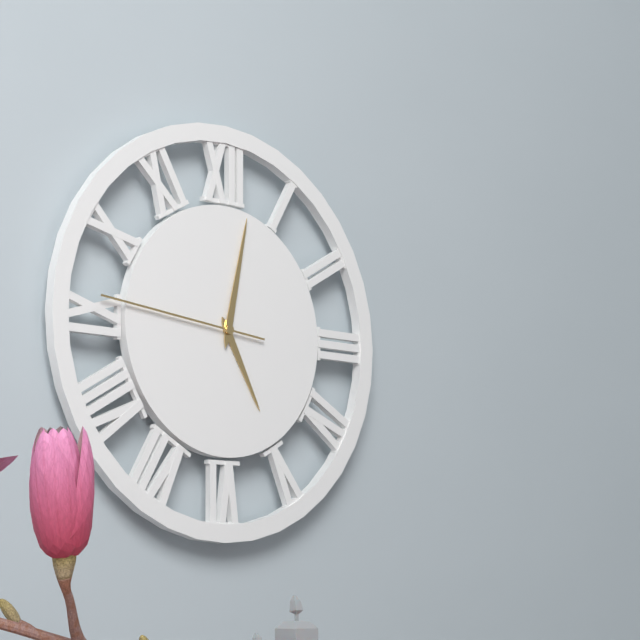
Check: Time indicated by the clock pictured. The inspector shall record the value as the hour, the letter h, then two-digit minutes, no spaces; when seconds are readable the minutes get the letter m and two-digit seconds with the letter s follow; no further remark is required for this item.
5h02m46s
